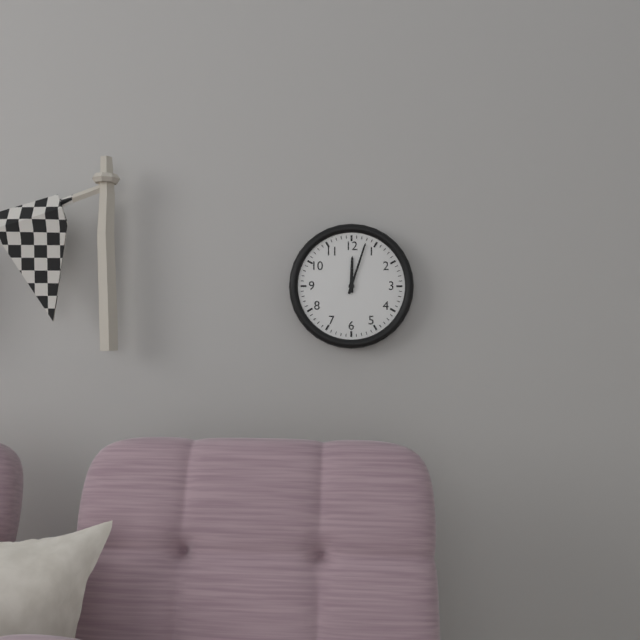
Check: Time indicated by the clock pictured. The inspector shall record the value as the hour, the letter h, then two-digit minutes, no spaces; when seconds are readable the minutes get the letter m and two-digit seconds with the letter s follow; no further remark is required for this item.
12h03
